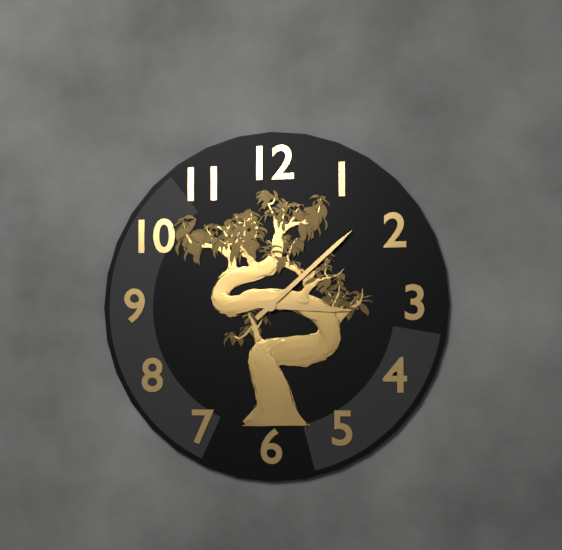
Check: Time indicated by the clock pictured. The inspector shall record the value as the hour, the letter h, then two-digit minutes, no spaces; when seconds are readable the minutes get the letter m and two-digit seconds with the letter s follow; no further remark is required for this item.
3h08
